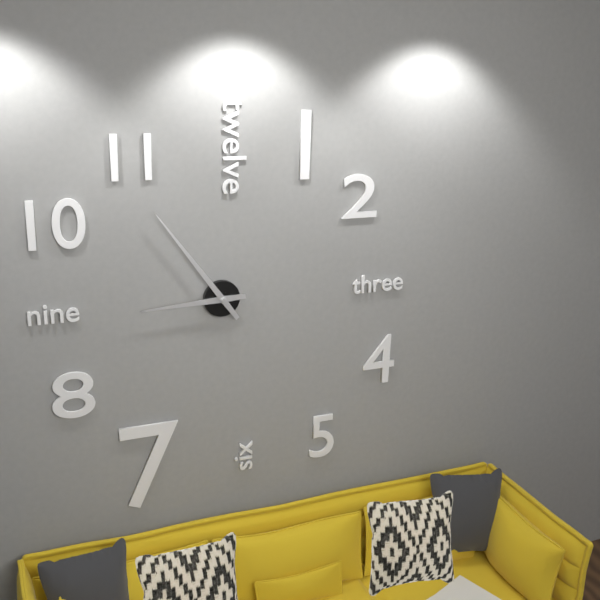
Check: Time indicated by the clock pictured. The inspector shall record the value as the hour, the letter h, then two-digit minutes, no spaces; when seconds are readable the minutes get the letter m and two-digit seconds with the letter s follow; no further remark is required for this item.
8h54
